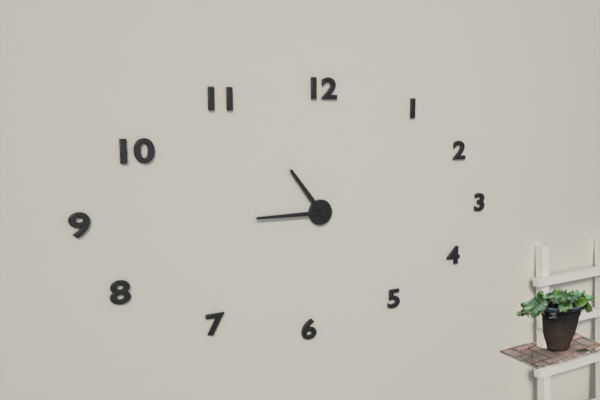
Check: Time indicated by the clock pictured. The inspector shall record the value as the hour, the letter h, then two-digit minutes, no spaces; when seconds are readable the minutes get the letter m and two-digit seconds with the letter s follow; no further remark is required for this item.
10h45
